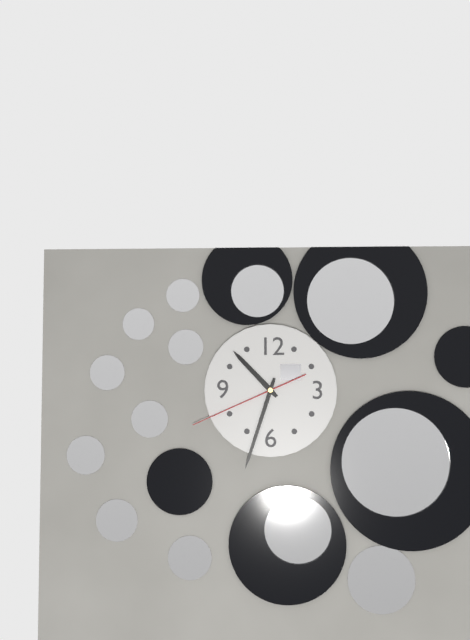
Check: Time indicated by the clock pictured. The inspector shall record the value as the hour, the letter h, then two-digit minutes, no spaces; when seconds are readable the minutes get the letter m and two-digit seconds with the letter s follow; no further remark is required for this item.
10h33m41s
